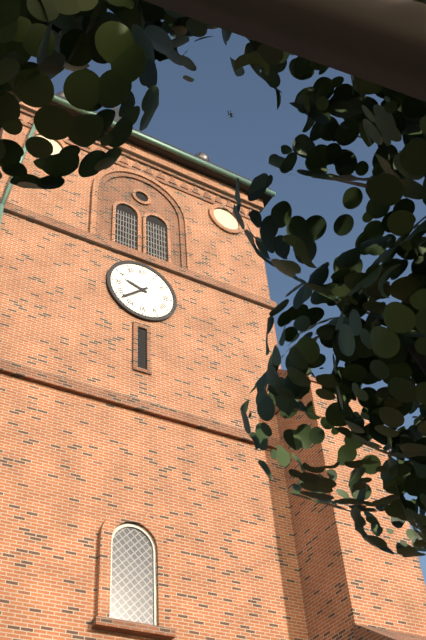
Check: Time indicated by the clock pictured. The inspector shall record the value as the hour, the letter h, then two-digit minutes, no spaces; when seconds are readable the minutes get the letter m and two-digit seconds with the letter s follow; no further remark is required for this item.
9h38
